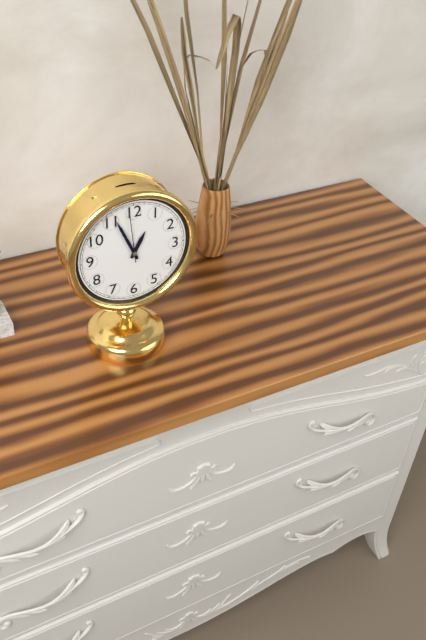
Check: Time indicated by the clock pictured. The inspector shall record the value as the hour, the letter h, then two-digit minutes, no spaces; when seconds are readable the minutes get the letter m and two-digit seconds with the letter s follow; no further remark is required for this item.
12h56
